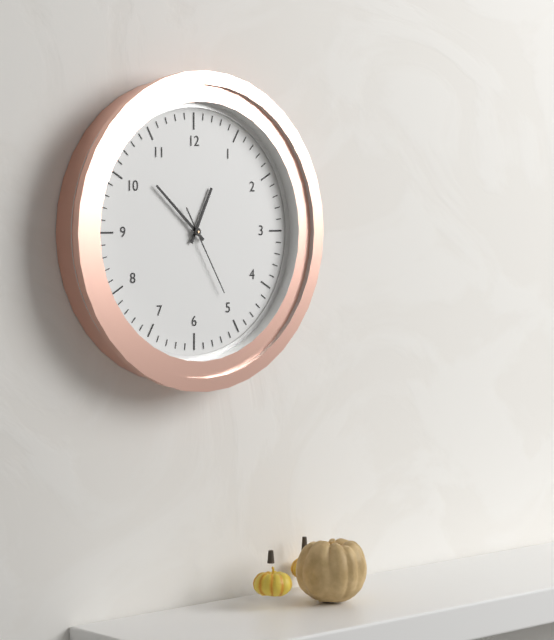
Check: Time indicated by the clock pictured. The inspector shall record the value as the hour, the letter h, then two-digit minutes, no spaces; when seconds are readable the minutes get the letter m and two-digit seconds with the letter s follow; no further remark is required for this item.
12h52m25s
